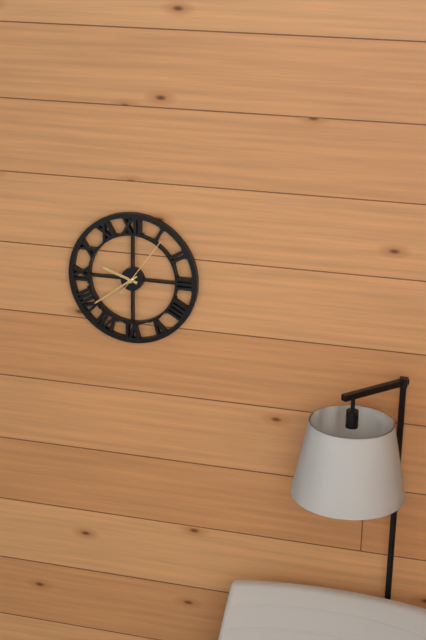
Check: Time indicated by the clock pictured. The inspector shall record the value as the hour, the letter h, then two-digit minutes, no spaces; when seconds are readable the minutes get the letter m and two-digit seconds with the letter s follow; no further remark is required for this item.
9h39m06s
